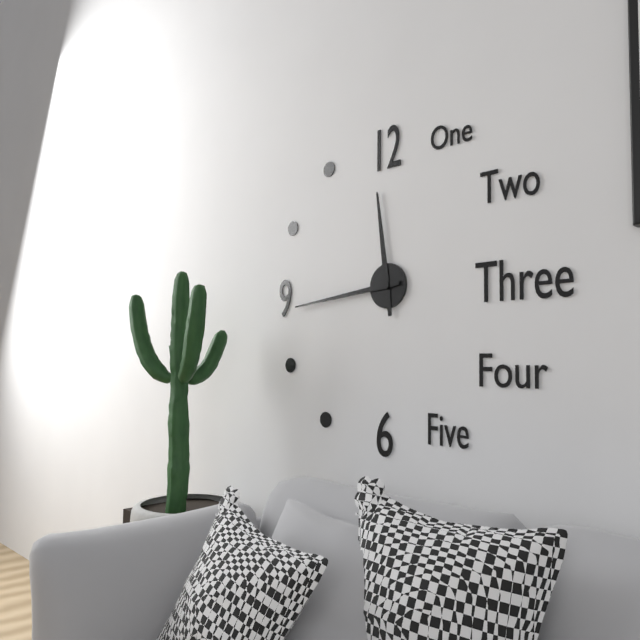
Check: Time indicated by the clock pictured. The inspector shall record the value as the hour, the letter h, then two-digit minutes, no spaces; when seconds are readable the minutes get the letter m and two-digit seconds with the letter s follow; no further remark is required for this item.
11h44
